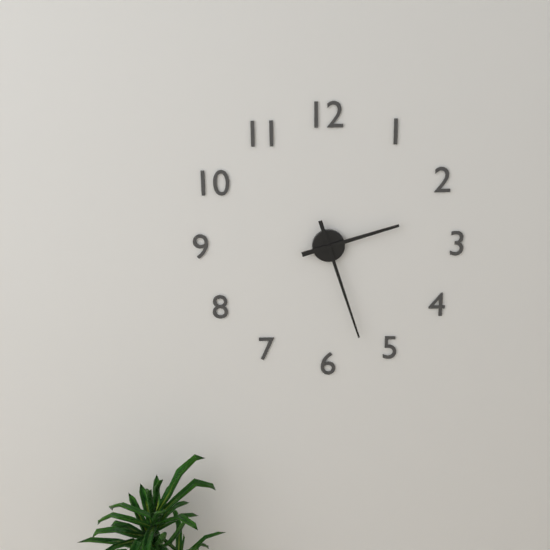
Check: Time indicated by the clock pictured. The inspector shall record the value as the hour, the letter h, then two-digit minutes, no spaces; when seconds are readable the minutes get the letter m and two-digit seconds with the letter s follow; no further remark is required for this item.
2h27
